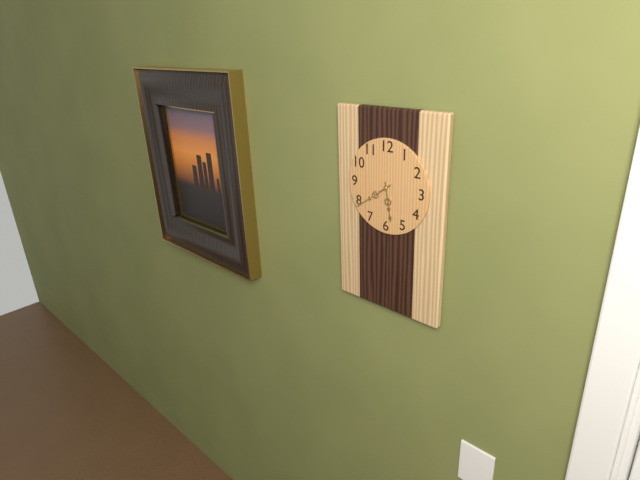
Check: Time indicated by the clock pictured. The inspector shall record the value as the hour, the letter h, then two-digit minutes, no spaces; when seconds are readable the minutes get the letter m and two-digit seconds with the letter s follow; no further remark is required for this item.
5h39
